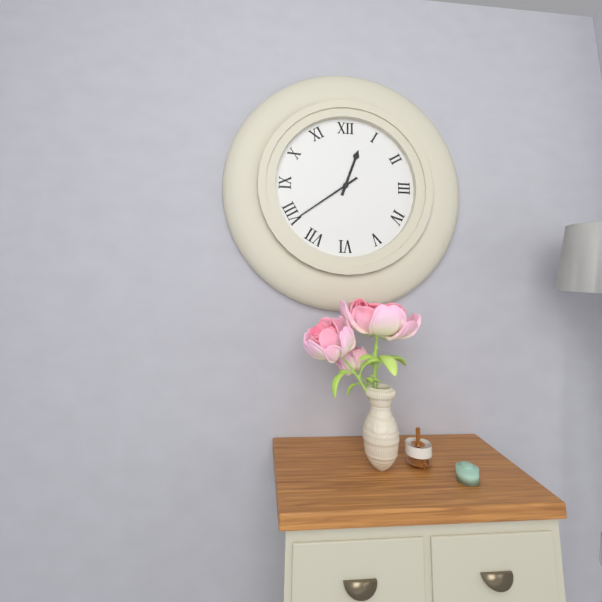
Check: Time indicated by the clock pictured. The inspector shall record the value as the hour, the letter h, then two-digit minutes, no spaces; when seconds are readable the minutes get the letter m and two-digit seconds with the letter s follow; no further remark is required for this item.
12h39
